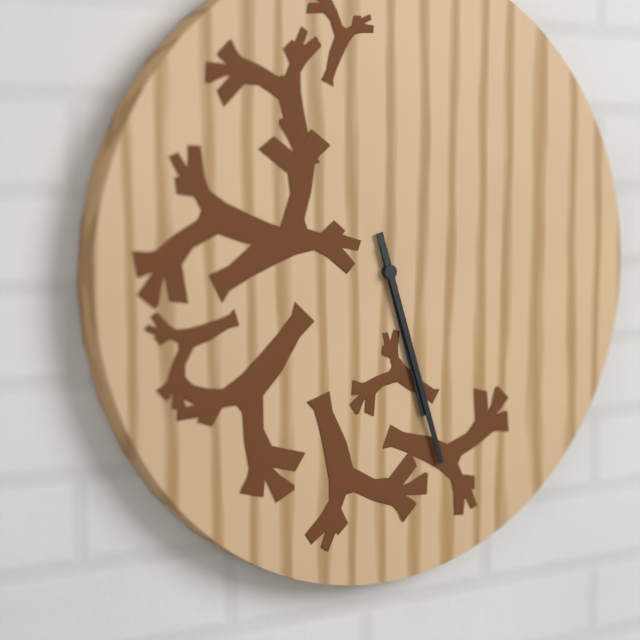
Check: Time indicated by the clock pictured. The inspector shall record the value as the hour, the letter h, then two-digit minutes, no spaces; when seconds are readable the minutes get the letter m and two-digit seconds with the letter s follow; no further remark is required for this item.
5h27
